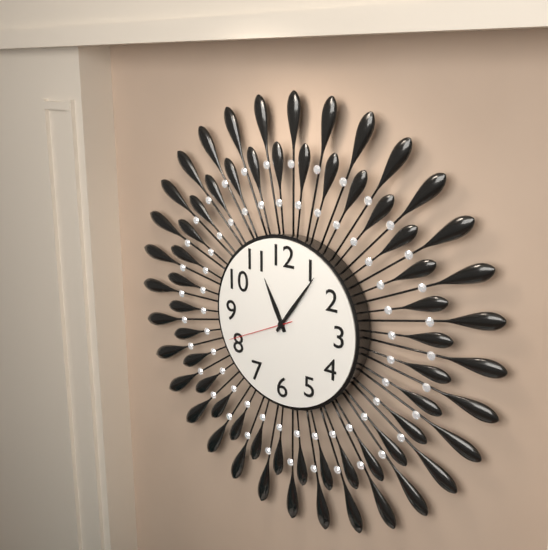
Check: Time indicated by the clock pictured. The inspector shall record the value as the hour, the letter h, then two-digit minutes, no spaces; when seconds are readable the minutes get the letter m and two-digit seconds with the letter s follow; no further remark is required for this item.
11h06m41s
